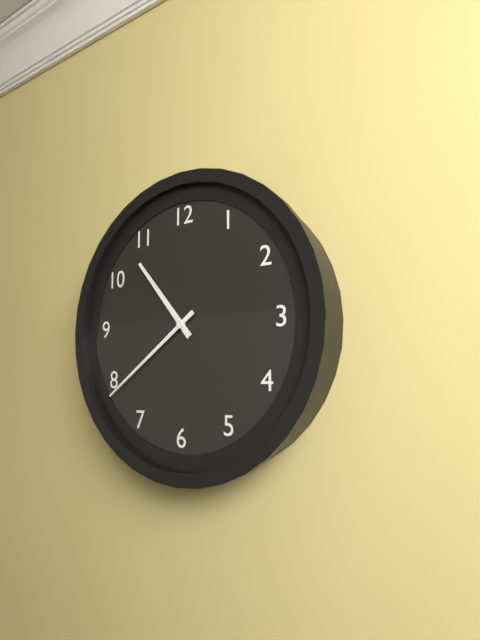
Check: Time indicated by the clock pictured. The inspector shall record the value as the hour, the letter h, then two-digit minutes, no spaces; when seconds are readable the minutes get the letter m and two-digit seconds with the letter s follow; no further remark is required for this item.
10h39
